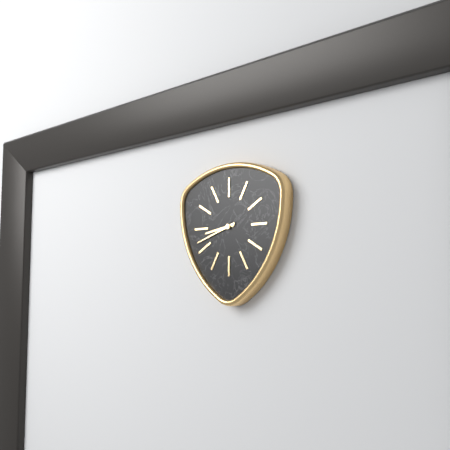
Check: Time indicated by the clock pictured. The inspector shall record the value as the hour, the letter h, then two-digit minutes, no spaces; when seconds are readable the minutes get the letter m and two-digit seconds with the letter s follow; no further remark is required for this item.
8h42
